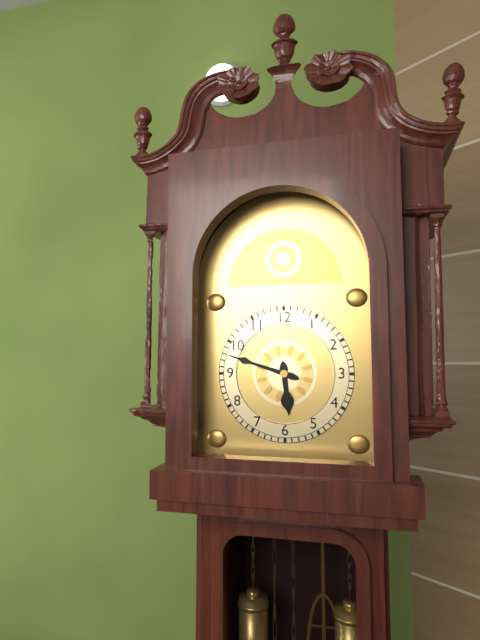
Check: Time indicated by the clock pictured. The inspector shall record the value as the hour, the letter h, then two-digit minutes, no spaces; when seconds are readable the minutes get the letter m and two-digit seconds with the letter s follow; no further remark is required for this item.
5h48
